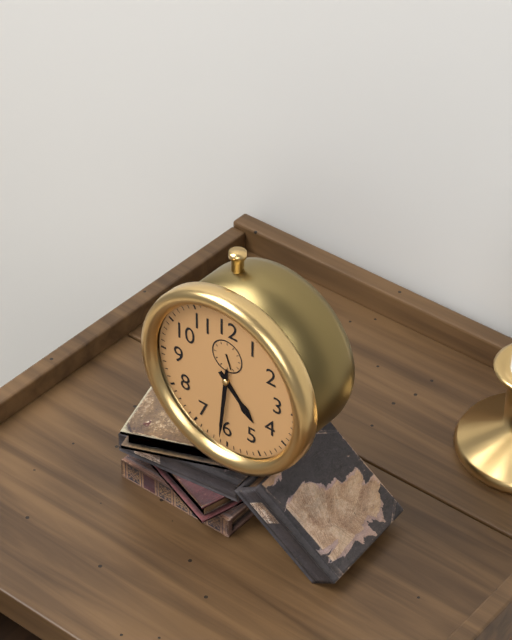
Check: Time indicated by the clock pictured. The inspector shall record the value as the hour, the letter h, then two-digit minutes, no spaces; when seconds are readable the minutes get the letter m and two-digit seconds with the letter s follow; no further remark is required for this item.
4h31
